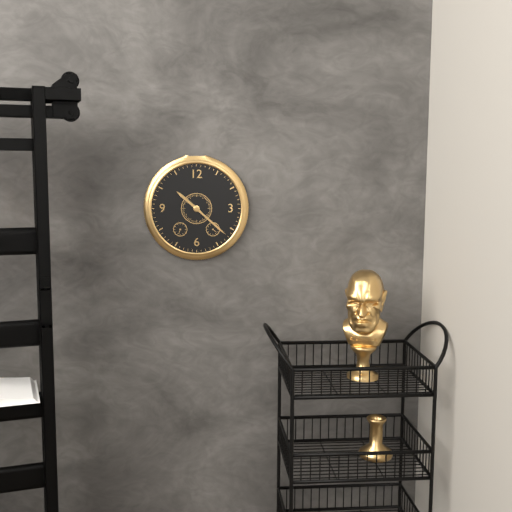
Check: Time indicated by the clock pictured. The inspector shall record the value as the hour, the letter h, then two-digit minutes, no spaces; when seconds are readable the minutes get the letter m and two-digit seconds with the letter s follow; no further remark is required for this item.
10h22
